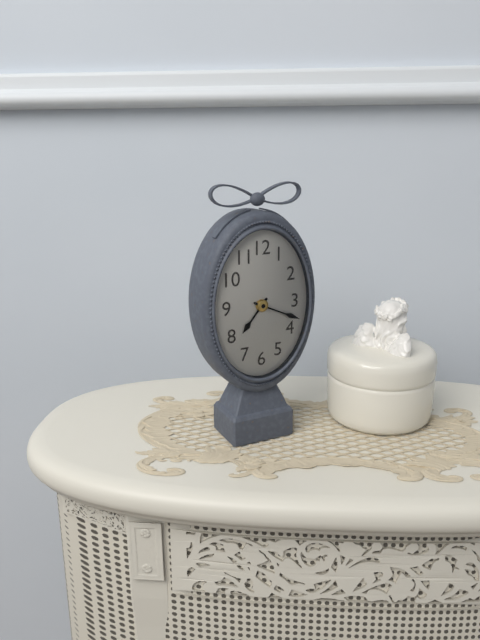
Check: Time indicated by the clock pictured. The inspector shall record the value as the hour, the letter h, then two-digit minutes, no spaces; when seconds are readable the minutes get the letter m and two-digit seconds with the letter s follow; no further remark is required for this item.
7h19
